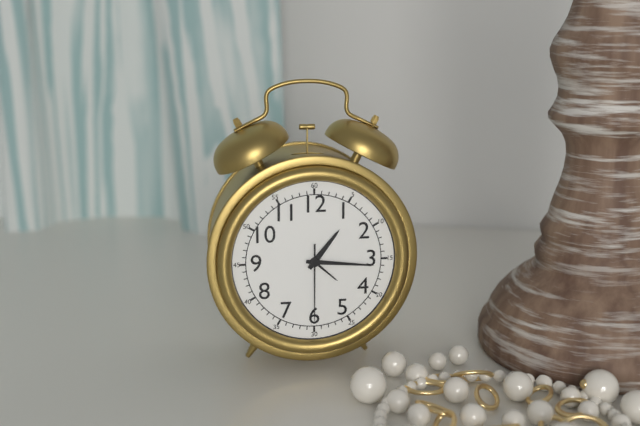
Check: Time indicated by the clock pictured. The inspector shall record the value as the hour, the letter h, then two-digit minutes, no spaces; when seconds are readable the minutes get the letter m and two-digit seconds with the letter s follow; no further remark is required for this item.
1h16m30s
